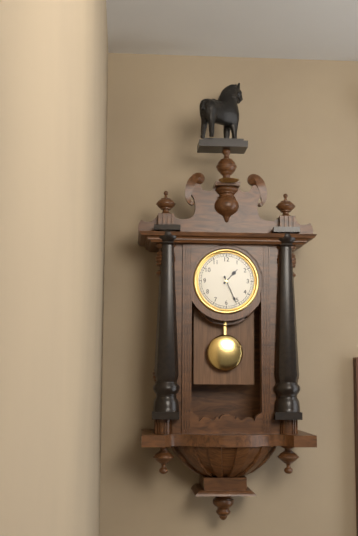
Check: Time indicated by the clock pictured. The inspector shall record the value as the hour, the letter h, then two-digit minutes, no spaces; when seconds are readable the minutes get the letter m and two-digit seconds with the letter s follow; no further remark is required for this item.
1h26
